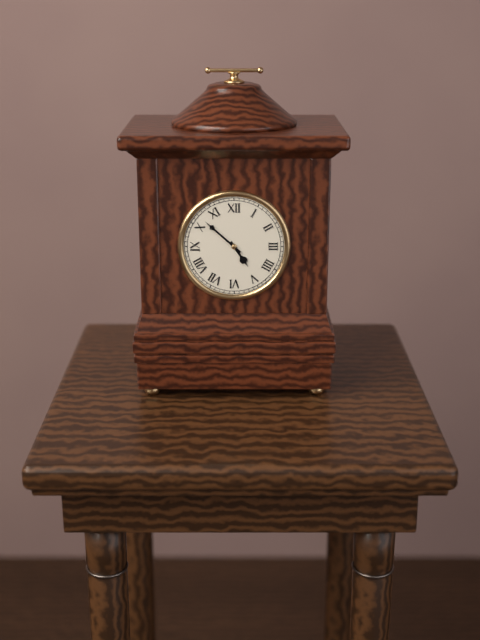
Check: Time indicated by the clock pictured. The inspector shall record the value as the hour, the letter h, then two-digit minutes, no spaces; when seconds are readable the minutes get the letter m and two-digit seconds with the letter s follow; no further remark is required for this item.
4h52
